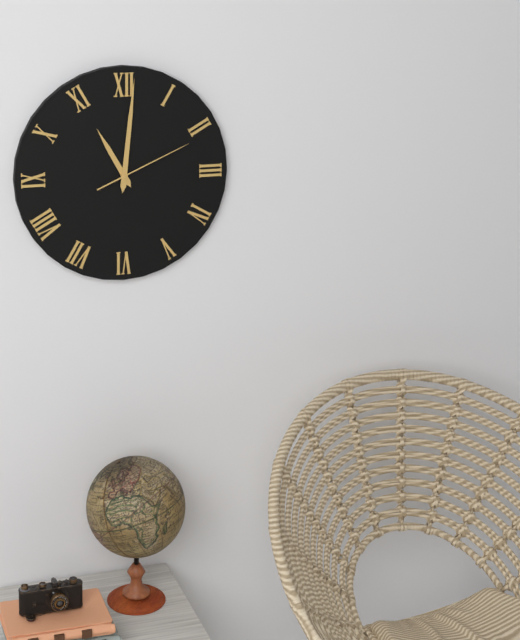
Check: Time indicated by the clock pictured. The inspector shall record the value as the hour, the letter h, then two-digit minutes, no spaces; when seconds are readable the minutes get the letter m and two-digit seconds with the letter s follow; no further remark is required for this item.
11h01m11s
